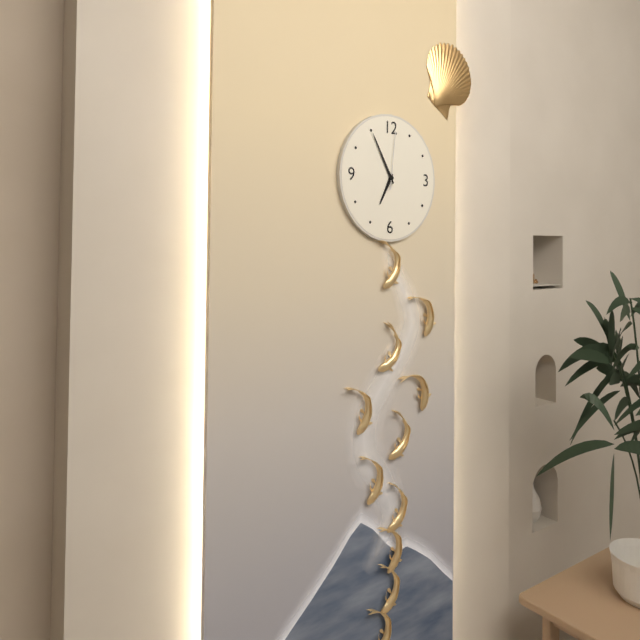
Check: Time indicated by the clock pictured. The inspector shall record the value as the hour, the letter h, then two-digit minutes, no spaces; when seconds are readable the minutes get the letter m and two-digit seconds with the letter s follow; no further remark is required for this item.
6h55m01s
